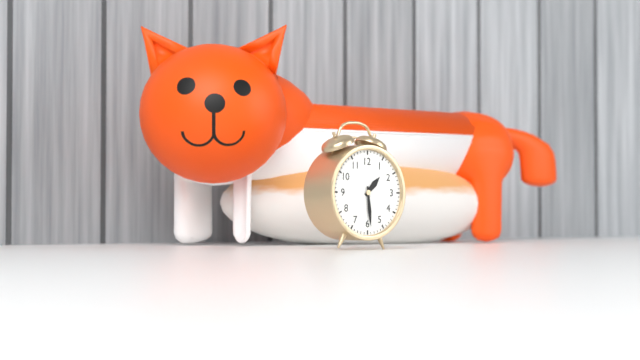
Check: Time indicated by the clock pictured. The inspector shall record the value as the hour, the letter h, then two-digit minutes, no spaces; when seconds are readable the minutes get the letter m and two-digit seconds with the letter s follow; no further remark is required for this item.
1h29
